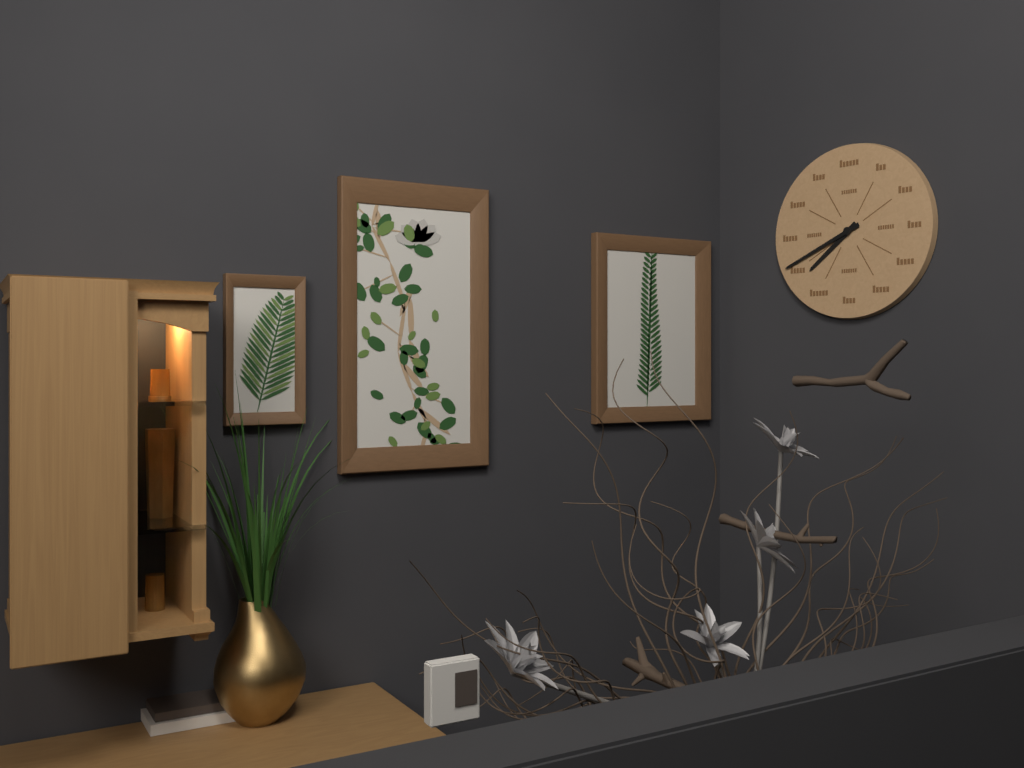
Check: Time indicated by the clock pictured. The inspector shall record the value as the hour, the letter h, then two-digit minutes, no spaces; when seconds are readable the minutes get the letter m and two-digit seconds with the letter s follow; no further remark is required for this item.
7h41
